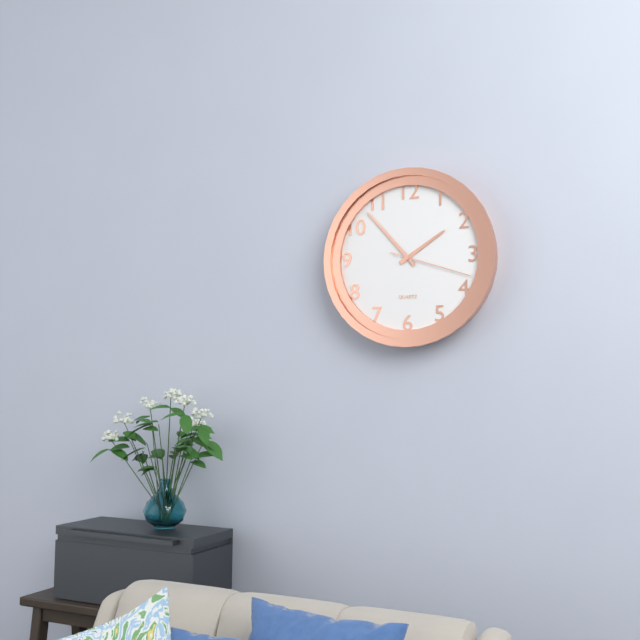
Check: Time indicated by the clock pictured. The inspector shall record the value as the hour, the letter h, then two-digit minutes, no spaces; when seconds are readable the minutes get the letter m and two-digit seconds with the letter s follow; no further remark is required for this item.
1h53m18s
